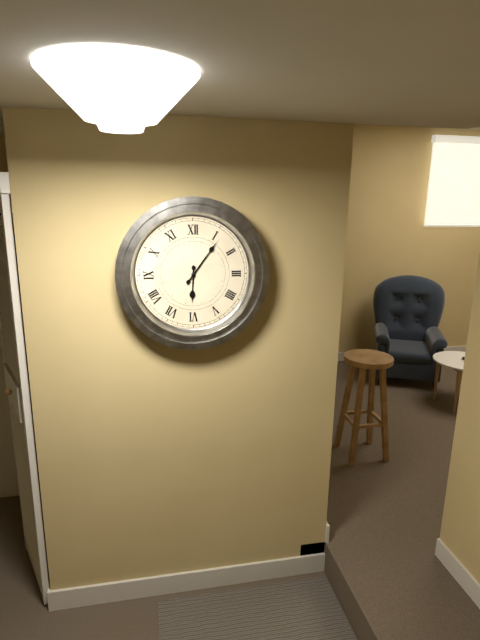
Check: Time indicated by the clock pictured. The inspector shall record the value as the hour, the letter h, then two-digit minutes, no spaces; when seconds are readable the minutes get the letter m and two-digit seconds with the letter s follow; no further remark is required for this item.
6h06
